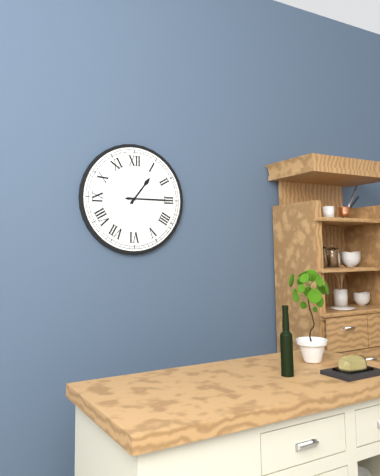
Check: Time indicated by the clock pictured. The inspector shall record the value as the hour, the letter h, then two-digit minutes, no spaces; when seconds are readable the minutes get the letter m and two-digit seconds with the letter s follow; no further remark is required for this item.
1h15
